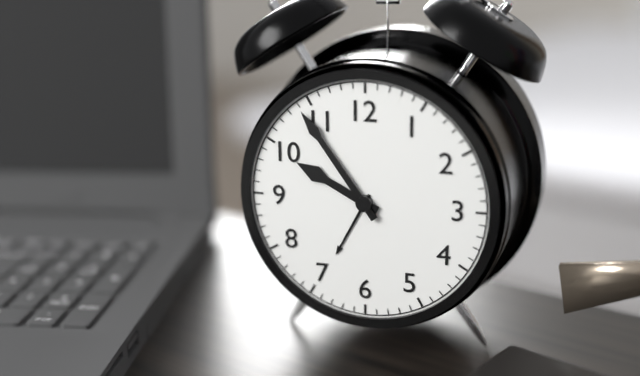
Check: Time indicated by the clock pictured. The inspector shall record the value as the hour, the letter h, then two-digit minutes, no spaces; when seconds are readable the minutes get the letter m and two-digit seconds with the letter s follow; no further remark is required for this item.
9h54
